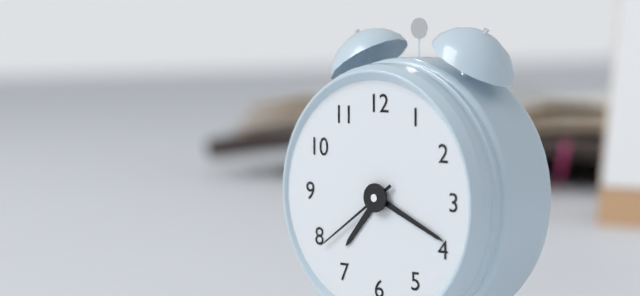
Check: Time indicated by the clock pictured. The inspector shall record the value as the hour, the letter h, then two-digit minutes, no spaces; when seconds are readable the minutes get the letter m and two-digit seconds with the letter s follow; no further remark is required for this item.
7h19m39s
